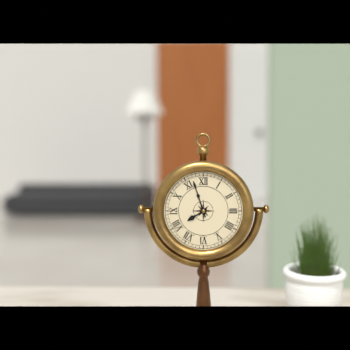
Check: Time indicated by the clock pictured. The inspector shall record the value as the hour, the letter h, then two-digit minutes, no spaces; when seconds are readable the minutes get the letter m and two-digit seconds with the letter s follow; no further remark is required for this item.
7h57
